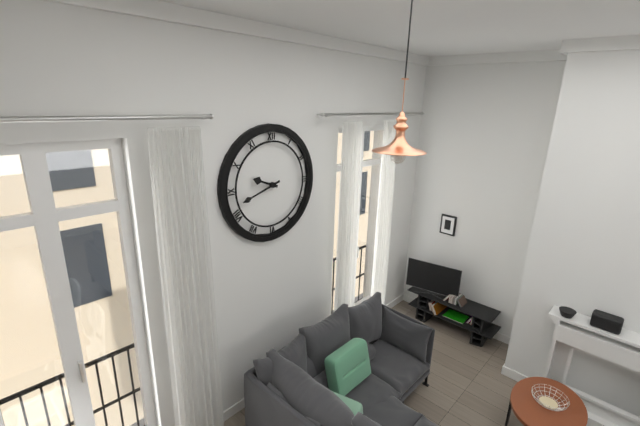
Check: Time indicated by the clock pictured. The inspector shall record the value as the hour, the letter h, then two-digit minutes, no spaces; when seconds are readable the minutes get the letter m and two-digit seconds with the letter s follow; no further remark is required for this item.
9h42
